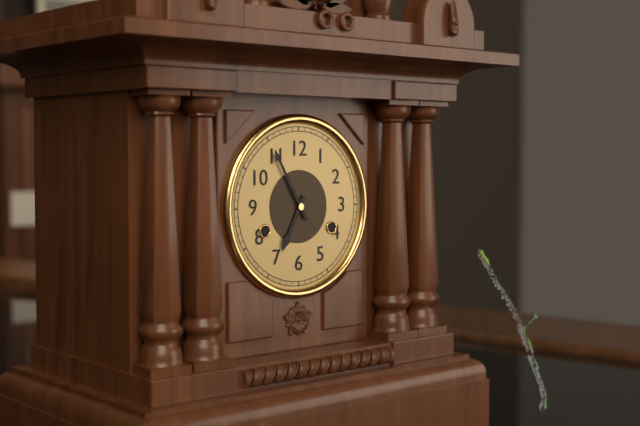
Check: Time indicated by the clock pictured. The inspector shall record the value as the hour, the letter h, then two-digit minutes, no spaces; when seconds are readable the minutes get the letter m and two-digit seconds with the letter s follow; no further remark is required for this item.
6h55
